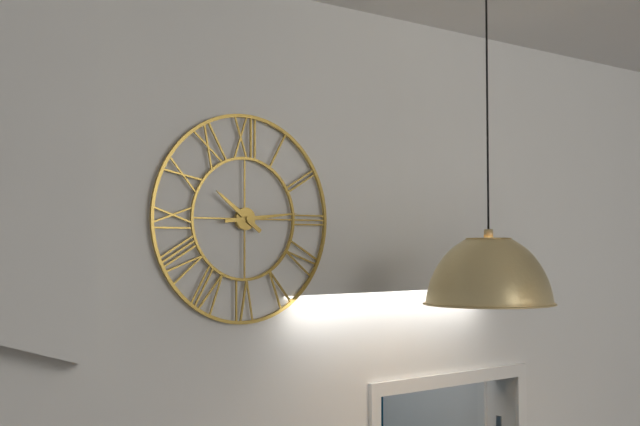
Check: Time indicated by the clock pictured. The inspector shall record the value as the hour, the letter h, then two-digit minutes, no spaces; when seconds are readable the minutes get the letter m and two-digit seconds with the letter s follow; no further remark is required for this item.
10h14
